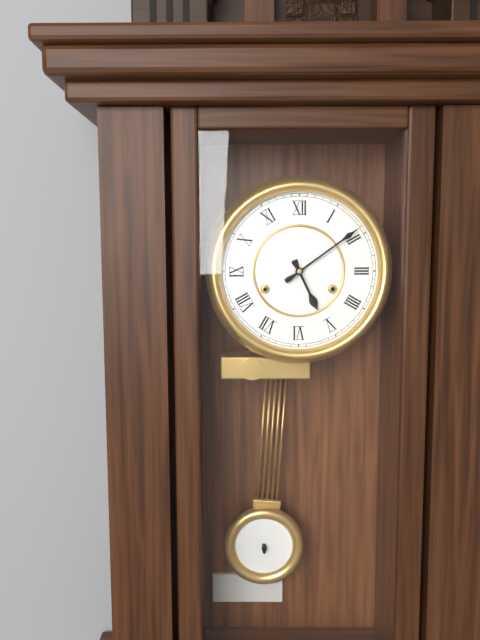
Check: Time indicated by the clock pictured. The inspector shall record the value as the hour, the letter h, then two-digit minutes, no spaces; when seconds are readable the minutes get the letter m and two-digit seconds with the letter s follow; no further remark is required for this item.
5h09
